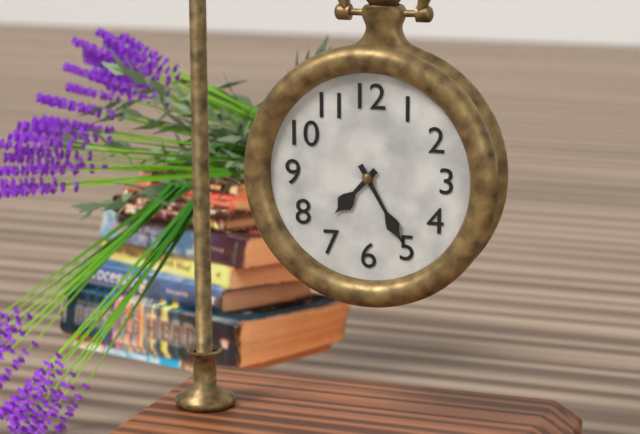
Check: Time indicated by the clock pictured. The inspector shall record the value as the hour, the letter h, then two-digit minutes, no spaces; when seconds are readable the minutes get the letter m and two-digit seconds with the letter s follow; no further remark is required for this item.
7h25
